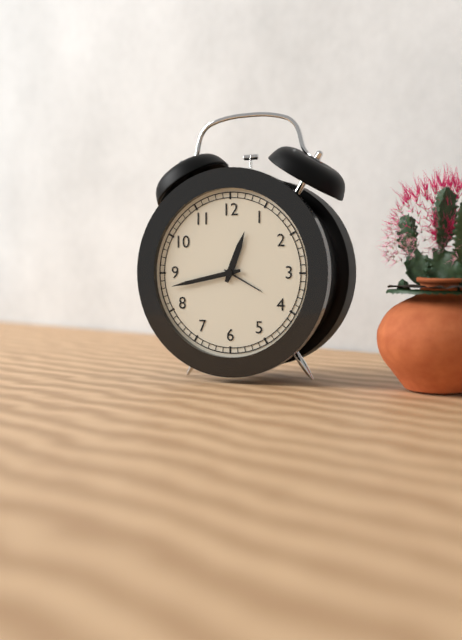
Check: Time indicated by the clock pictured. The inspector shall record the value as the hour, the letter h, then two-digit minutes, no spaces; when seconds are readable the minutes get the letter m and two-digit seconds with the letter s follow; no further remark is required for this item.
12h43
